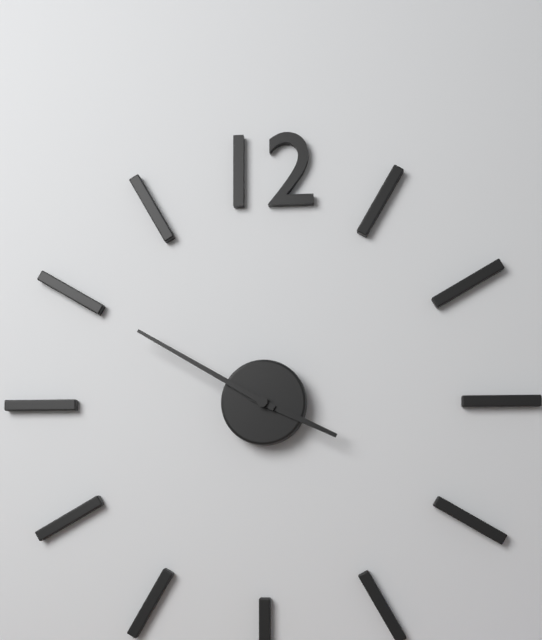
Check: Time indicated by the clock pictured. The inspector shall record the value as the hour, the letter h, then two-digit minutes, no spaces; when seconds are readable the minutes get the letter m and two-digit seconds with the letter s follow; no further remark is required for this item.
3h50
